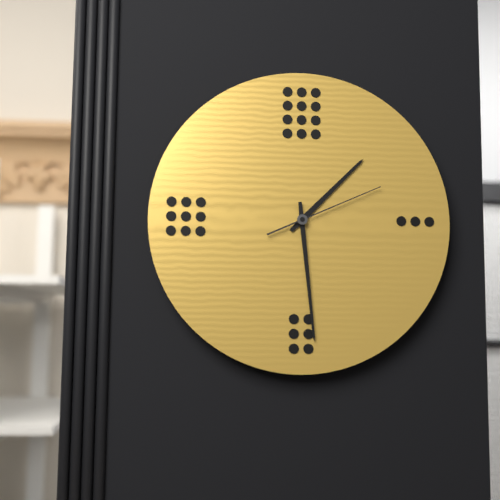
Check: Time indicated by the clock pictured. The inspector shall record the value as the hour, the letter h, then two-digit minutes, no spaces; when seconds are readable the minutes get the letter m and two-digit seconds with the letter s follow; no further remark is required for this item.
1h29m11s
